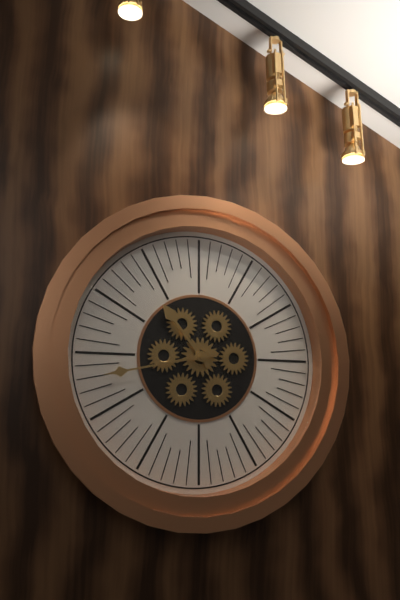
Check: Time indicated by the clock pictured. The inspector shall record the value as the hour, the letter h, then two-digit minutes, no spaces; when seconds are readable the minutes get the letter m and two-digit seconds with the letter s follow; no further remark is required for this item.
10h43
